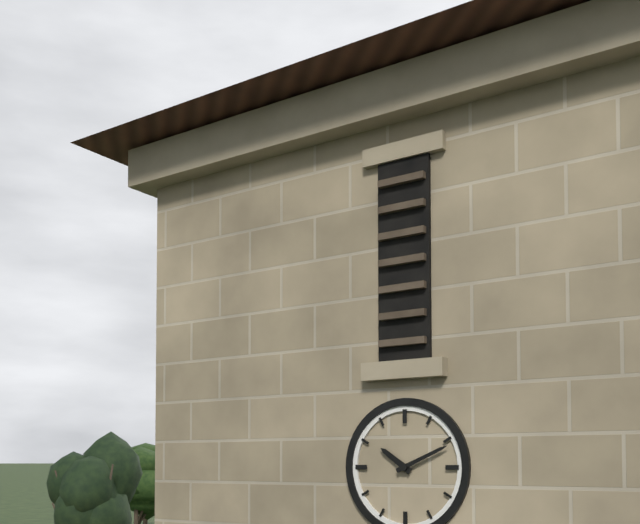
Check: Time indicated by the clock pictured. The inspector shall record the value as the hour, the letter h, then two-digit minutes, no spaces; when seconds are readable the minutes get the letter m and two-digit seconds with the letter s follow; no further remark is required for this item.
10h11
